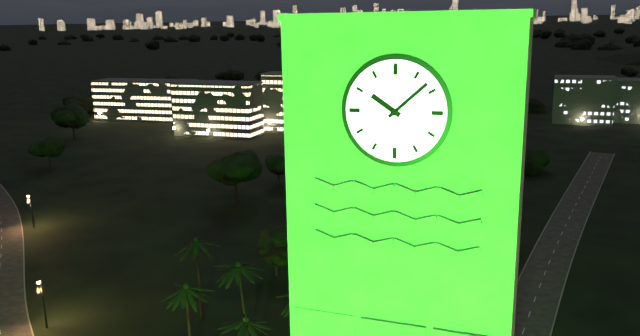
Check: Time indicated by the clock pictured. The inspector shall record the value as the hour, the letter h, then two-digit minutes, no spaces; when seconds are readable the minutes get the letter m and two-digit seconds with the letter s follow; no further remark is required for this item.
10h08
